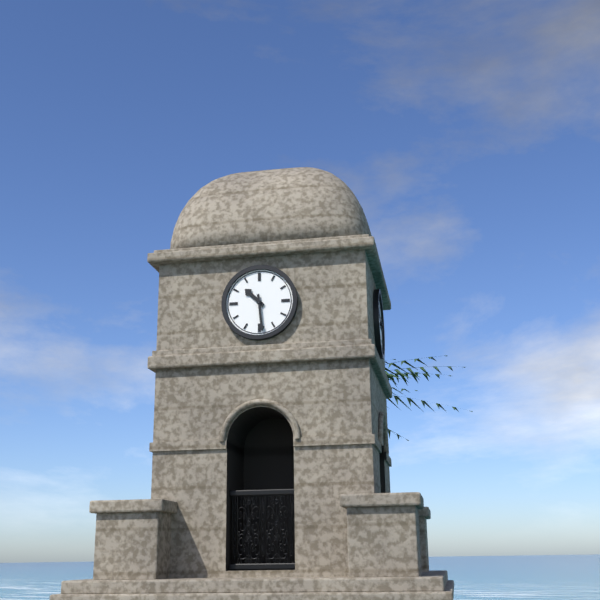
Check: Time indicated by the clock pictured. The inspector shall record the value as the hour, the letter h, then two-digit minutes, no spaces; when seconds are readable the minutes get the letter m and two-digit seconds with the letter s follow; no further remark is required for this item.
10h29
